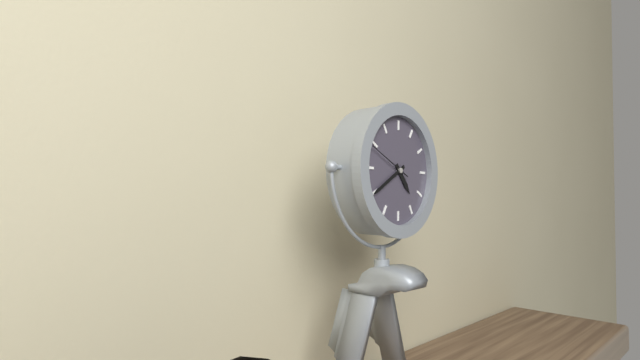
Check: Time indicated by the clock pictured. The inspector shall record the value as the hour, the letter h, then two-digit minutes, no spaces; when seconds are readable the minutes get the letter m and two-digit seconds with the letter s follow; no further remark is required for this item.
4h40
